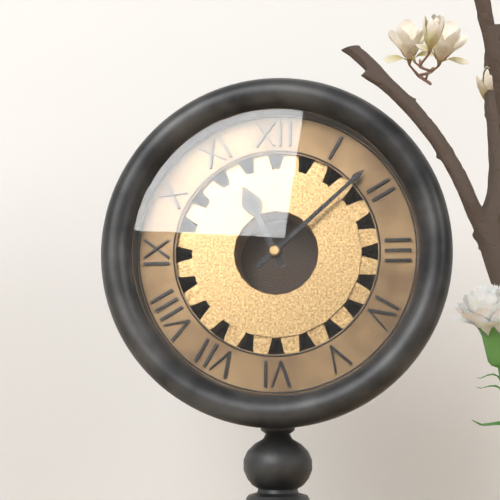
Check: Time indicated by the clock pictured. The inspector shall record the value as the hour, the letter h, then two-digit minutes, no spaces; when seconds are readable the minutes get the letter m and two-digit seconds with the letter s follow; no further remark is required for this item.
11h08
